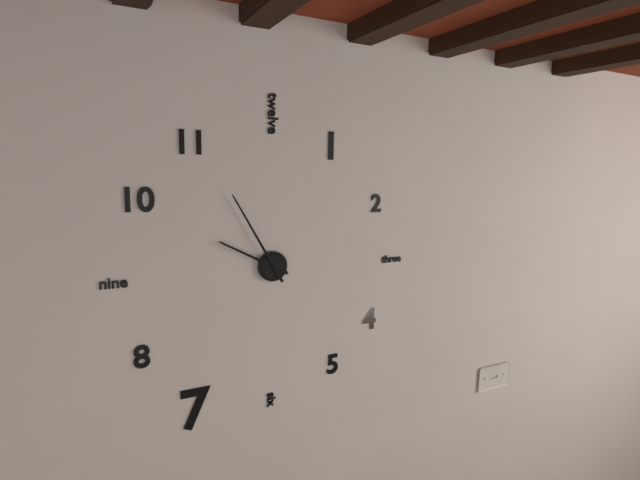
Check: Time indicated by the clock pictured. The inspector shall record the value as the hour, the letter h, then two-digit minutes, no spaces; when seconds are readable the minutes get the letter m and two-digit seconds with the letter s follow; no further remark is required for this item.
9h55
